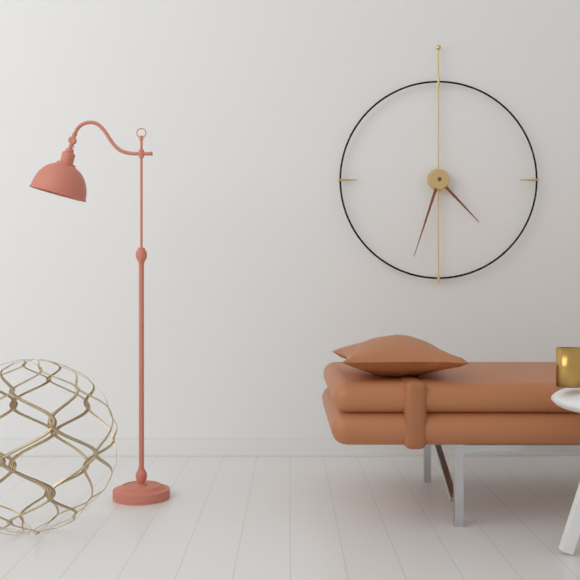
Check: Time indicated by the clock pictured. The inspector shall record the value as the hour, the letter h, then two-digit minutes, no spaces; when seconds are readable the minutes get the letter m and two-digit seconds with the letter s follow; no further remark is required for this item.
4h33
